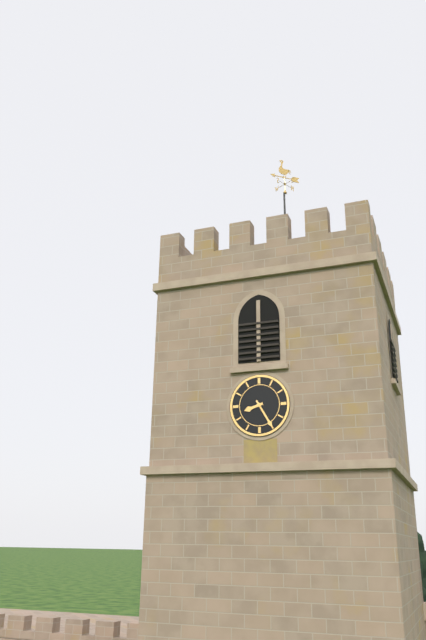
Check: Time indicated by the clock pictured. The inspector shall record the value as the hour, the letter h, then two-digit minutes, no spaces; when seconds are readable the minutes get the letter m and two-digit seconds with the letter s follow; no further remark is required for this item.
8h25
